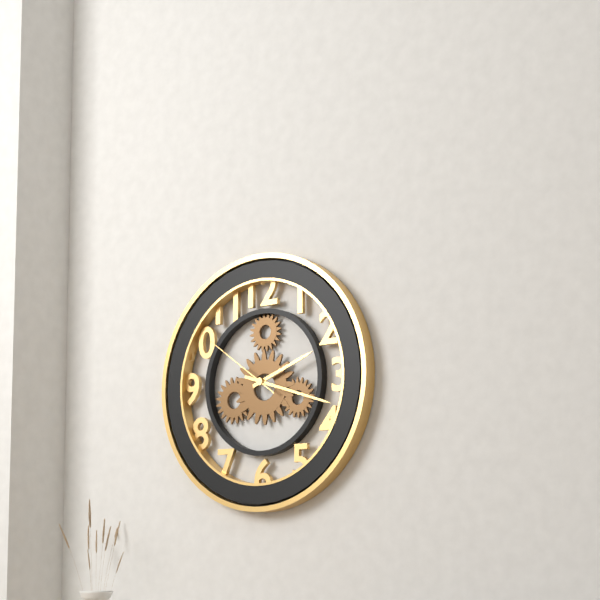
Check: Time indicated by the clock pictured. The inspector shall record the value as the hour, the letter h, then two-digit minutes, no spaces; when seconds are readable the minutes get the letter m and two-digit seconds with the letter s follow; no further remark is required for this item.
2h18m51s
